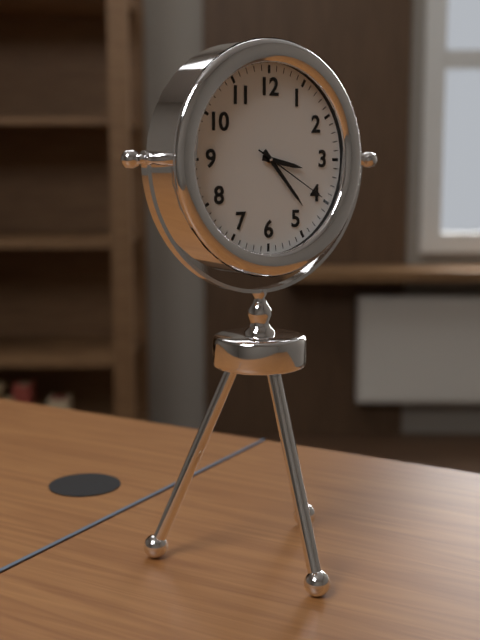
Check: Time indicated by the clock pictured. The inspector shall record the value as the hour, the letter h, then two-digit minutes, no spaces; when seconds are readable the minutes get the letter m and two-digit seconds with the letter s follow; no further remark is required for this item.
3h23m20s
